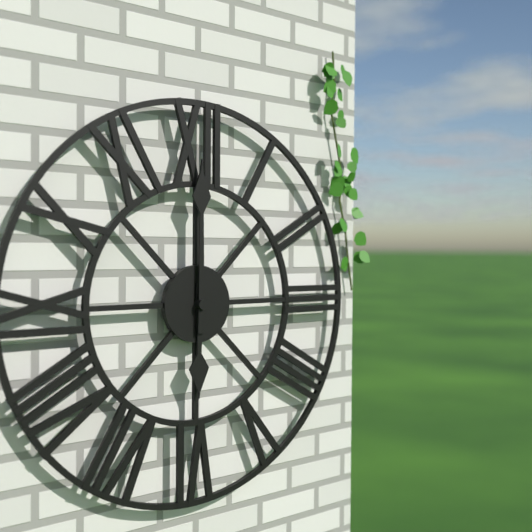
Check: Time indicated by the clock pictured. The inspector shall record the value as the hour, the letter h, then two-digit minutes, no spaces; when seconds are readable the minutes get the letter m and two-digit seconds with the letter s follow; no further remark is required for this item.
6h00
